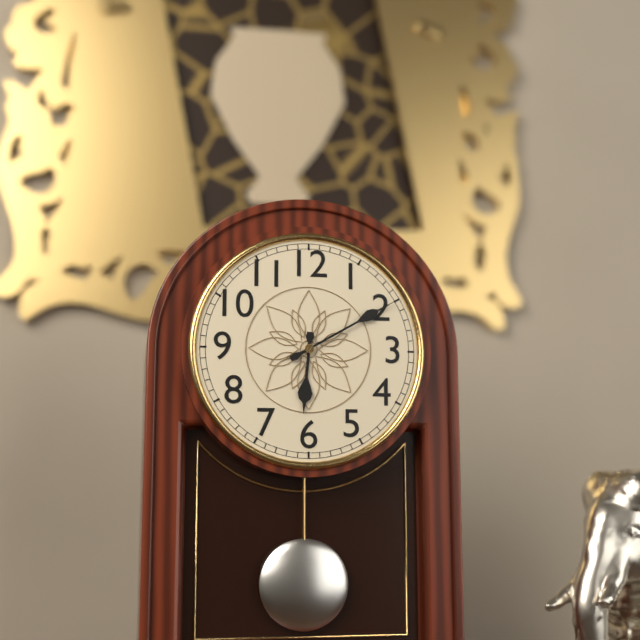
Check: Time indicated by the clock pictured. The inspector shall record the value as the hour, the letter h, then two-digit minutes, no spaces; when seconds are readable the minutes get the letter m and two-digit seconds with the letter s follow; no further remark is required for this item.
6h10
